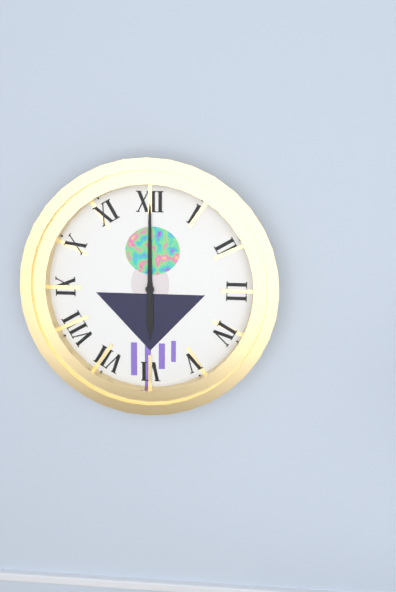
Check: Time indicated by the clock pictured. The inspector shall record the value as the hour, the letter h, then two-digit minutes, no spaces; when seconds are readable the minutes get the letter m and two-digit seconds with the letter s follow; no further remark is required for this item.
6h00
